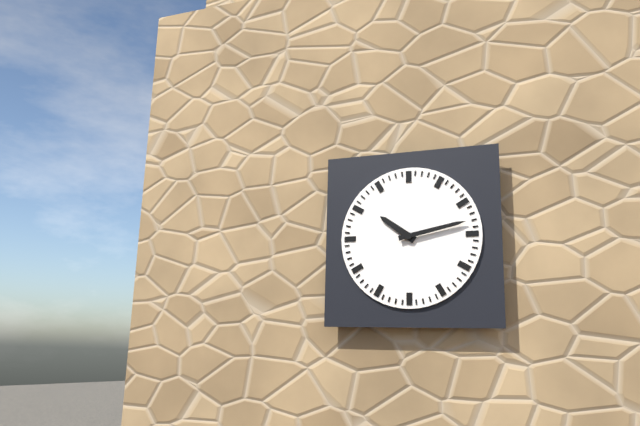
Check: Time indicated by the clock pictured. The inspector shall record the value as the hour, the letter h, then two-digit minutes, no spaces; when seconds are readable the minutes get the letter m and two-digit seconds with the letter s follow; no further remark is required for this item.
10h13
